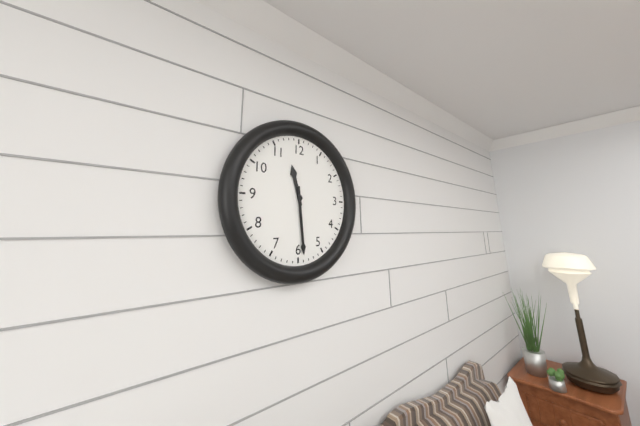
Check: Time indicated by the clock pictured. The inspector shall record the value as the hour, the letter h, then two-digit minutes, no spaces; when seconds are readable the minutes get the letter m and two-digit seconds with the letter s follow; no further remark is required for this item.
11h29
